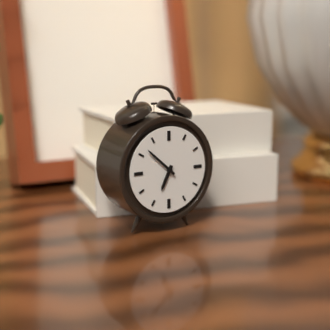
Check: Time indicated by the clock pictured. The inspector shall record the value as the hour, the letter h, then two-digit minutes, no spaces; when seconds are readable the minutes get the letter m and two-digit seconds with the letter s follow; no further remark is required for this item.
6h52
